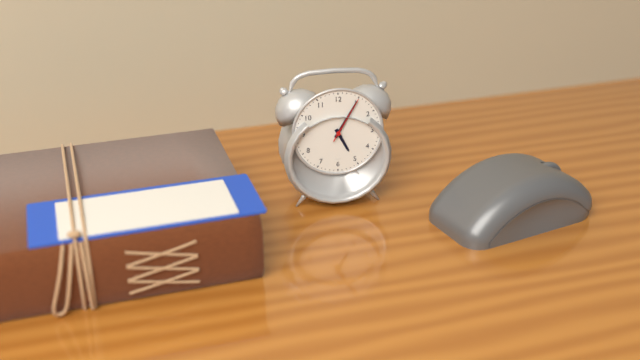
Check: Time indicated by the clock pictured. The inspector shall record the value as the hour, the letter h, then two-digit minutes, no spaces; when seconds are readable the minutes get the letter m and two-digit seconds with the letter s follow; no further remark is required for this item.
5h05
